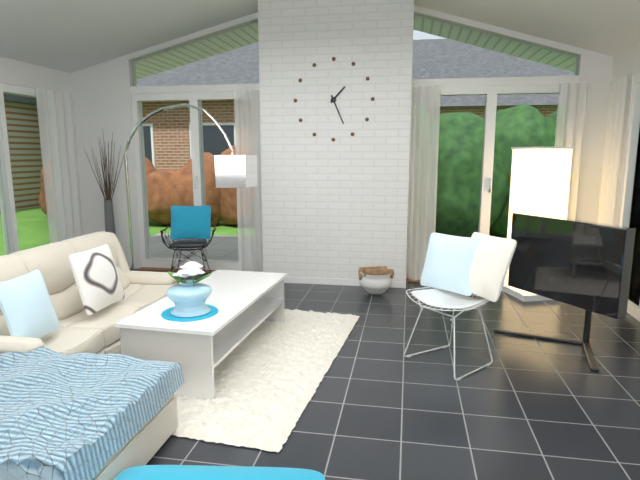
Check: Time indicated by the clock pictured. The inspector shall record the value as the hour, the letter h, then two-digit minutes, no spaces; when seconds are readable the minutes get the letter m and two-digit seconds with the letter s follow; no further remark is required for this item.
1h26
